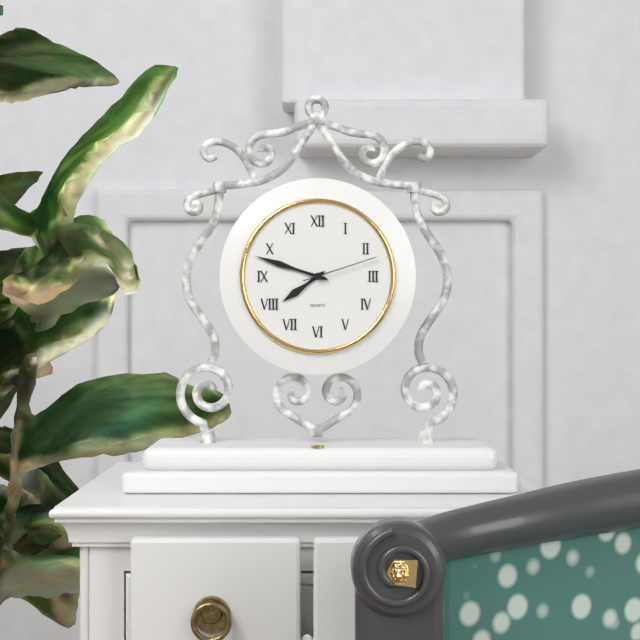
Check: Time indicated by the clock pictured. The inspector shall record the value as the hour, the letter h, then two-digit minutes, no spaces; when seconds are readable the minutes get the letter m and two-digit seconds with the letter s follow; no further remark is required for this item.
7h48m12s
